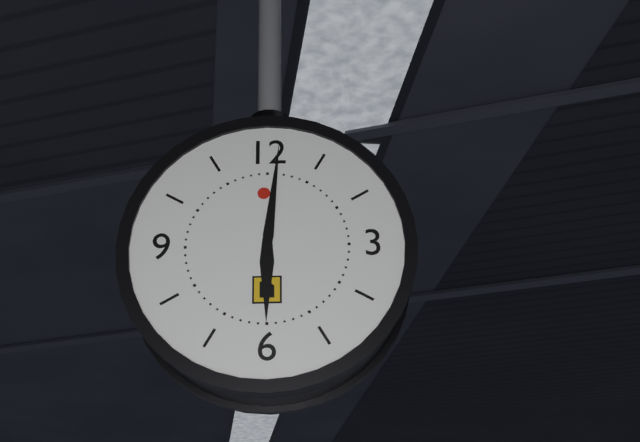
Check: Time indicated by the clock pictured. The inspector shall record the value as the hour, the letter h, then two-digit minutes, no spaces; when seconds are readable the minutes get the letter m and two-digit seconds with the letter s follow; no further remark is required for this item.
6h01
